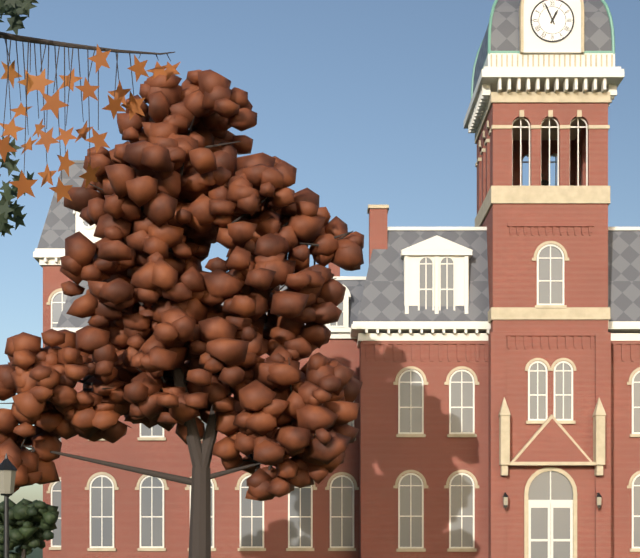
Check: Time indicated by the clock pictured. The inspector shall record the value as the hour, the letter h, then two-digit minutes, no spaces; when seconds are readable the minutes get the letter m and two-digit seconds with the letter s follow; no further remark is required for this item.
12h56
